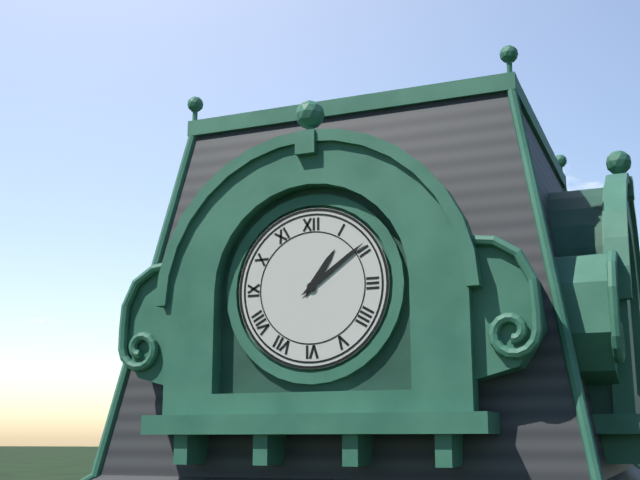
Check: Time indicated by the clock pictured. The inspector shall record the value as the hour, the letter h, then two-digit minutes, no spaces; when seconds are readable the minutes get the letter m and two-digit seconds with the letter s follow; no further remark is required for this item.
1h09
